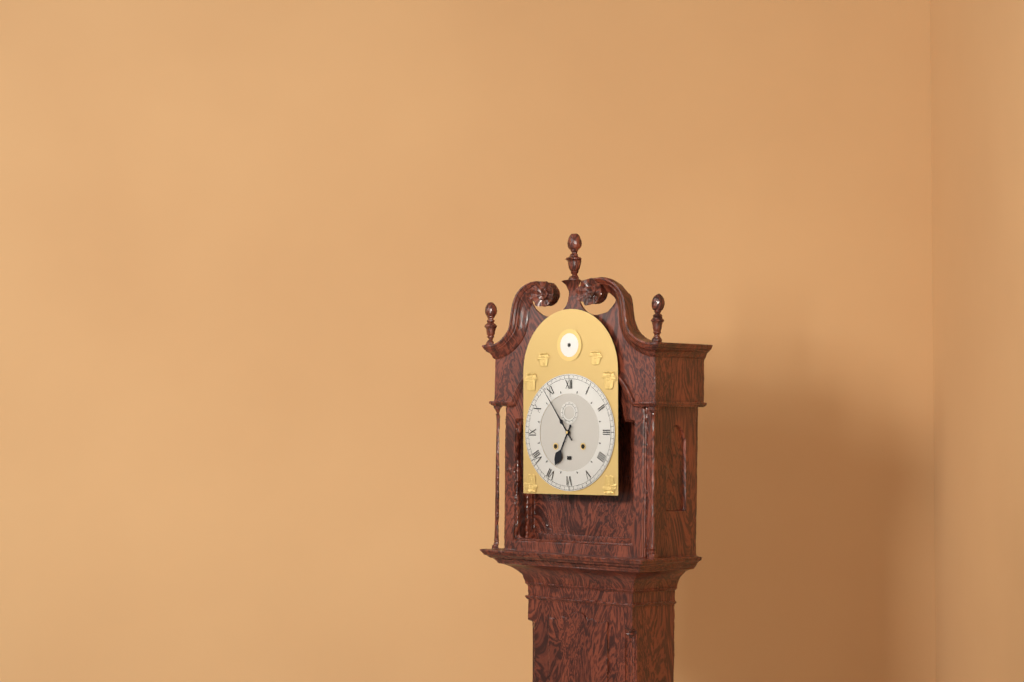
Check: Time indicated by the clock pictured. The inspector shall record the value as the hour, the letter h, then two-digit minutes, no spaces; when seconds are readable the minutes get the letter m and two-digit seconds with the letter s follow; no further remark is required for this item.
6h54
